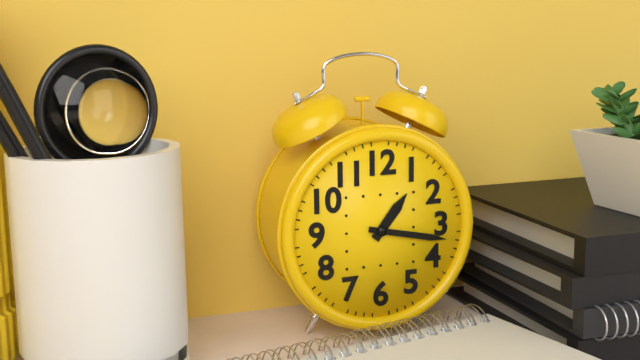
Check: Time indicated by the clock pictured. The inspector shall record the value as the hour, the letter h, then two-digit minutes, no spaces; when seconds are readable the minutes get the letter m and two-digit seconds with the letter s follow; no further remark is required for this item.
1h17
